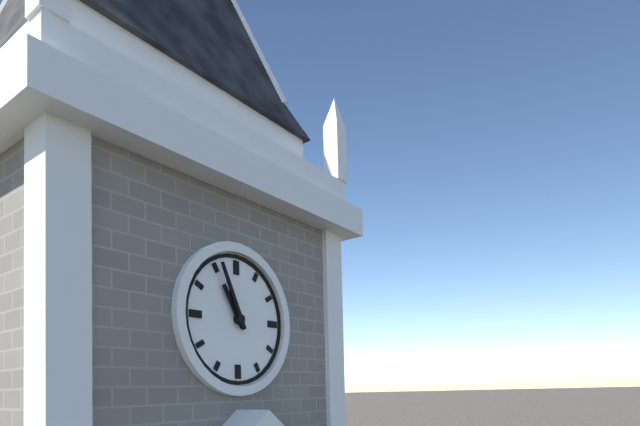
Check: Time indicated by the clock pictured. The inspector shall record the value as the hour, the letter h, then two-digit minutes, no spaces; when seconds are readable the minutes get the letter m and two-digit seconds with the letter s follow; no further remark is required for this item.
10h56
